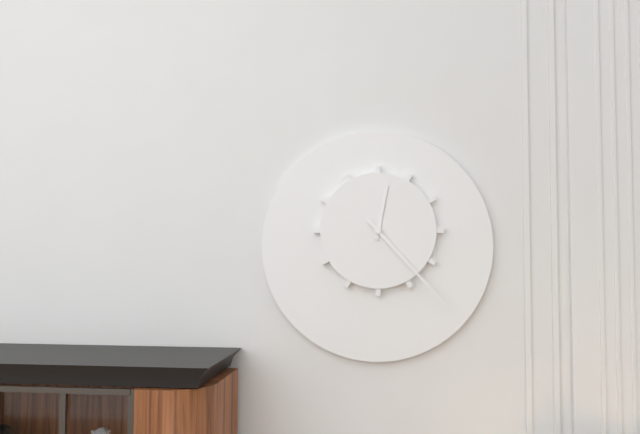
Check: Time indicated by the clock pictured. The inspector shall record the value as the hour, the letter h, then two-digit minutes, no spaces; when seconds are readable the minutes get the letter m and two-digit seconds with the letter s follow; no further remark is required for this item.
12h23
